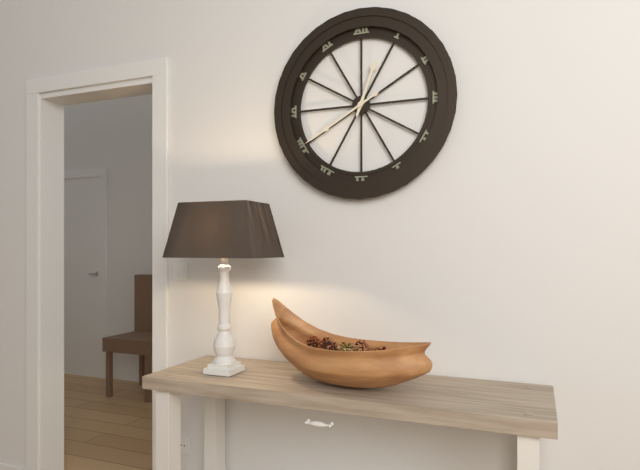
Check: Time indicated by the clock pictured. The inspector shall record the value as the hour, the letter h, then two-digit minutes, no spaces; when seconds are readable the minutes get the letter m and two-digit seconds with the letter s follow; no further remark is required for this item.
12h40
